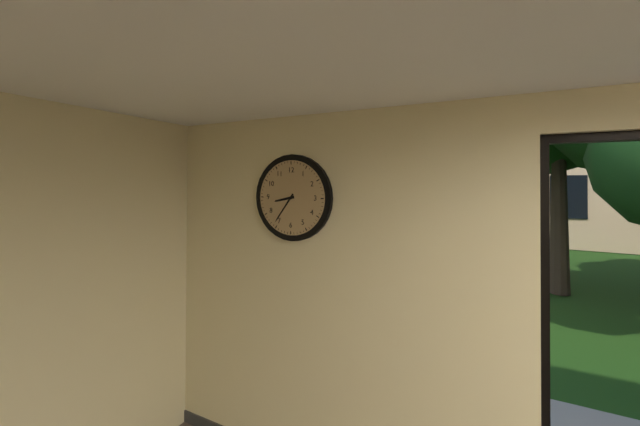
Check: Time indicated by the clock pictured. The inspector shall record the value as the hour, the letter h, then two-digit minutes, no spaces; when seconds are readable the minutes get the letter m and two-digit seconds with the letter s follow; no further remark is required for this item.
8h36
